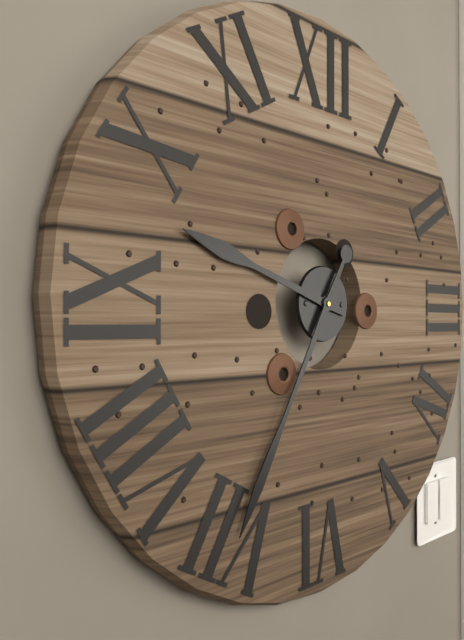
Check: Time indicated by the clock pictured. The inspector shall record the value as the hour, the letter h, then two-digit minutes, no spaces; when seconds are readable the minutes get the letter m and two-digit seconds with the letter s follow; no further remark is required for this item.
9h35
